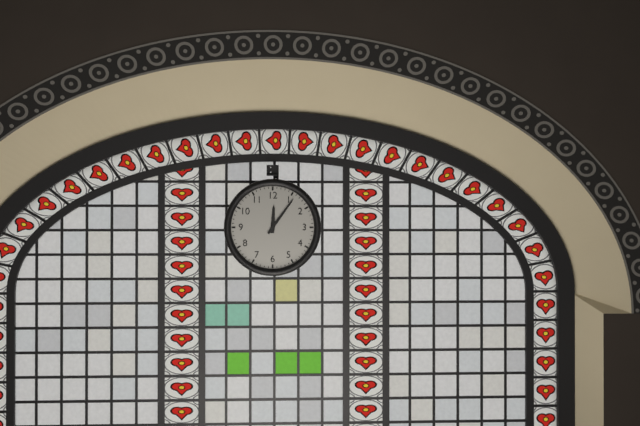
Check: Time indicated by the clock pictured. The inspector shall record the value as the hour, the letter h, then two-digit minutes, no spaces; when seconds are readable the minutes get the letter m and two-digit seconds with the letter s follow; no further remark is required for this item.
12h06
